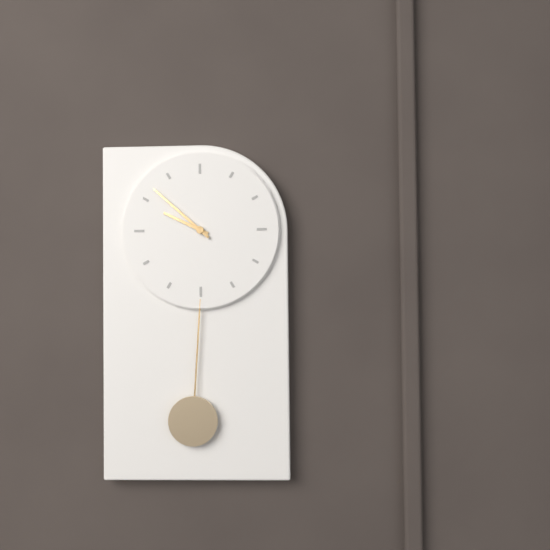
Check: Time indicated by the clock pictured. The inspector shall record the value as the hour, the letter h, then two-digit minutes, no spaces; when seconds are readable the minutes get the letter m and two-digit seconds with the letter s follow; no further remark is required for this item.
9h52
